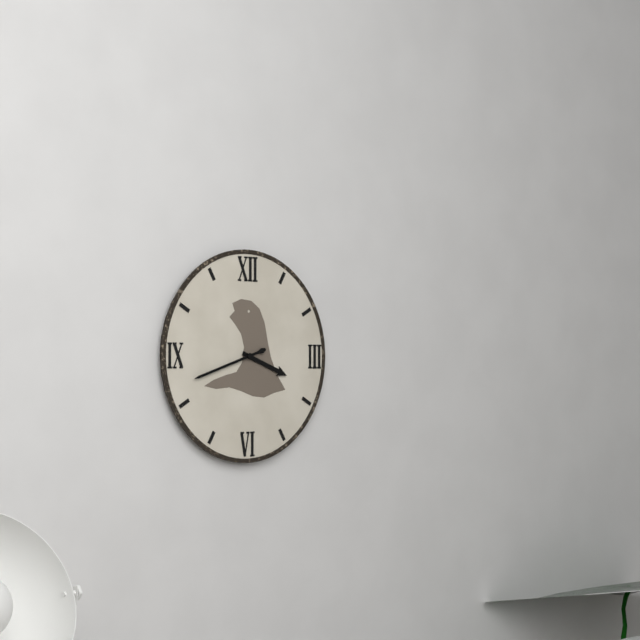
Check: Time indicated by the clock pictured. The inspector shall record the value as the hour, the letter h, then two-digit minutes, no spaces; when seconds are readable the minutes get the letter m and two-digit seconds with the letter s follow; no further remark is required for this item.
3h42
